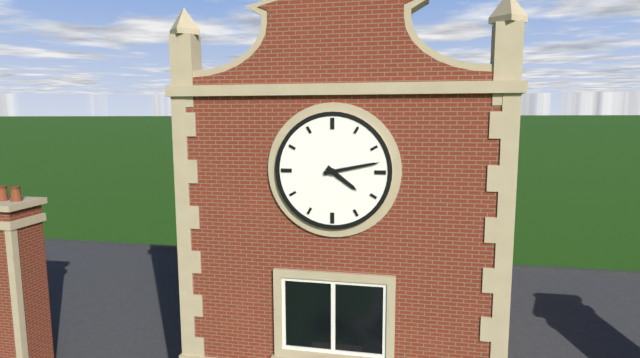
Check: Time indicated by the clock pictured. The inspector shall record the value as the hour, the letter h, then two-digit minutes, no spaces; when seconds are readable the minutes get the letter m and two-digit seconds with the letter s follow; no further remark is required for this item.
4h13
